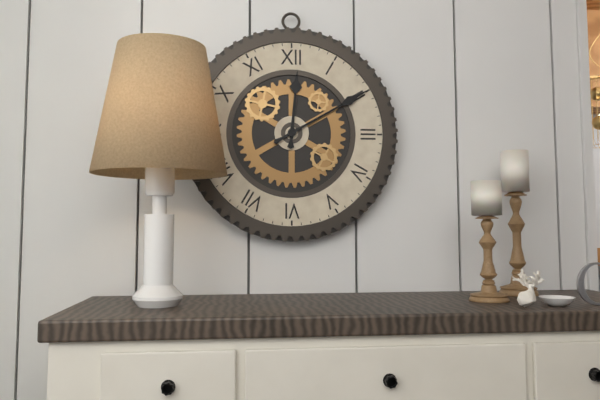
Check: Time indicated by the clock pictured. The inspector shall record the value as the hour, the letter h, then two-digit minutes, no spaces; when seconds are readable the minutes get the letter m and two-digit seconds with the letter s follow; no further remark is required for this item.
12h10
